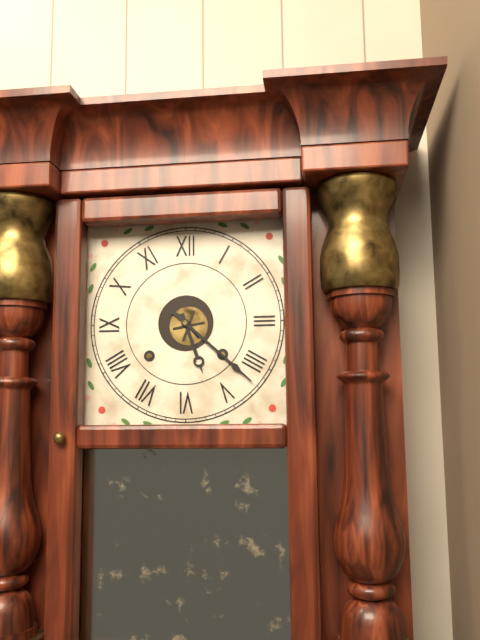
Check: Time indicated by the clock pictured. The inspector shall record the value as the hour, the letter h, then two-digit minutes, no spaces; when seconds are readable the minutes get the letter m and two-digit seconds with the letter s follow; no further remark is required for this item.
5h22
